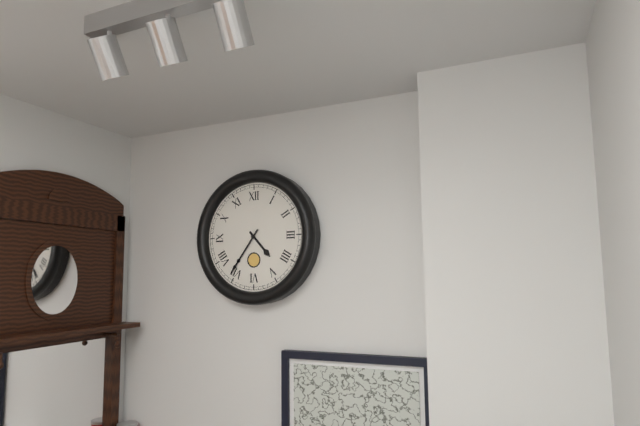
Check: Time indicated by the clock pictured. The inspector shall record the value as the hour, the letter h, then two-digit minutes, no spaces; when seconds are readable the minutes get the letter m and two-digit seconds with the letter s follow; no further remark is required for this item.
4h36
